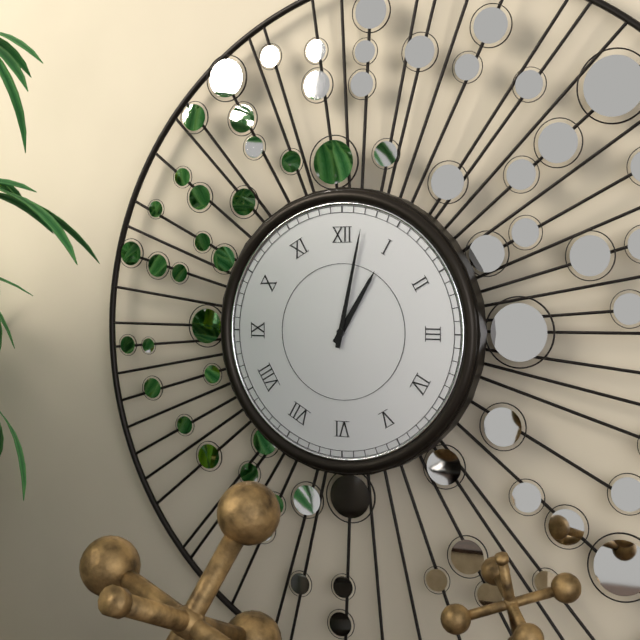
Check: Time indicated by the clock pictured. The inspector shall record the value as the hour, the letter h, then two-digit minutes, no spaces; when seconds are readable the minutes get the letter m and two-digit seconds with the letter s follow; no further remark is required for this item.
1h02
